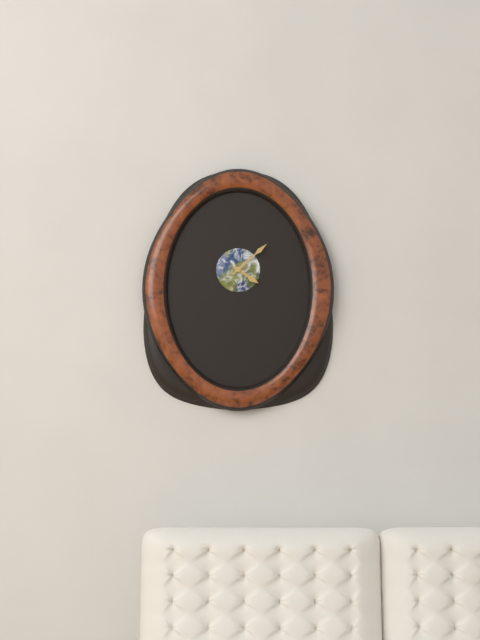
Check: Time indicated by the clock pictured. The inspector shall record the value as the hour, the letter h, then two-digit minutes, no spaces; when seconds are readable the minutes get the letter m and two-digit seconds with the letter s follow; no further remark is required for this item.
4h08
